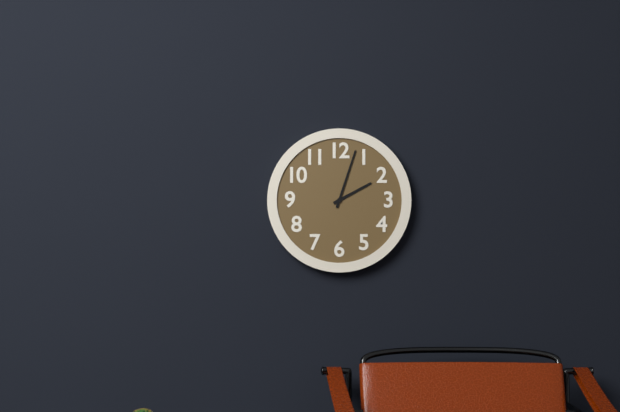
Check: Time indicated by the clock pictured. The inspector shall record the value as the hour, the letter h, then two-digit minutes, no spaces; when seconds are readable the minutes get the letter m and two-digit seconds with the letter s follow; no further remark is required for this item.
2h03
